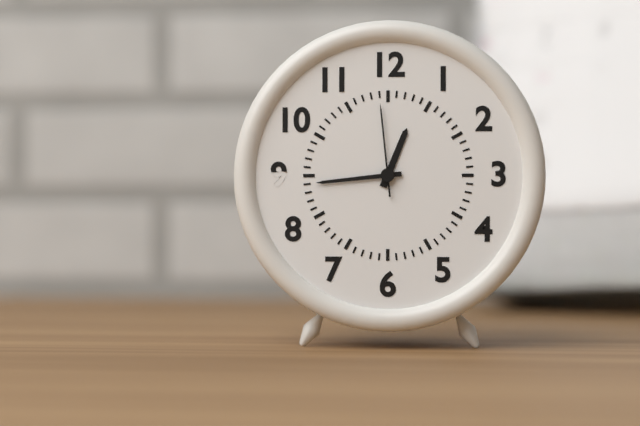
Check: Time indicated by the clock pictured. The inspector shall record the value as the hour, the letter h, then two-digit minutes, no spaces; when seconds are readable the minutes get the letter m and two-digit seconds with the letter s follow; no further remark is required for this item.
12h44m59s
